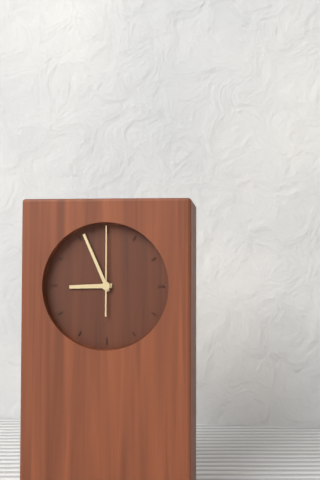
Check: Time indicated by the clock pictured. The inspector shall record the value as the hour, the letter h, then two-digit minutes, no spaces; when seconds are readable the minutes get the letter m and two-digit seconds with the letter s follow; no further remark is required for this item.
8h56m00s
